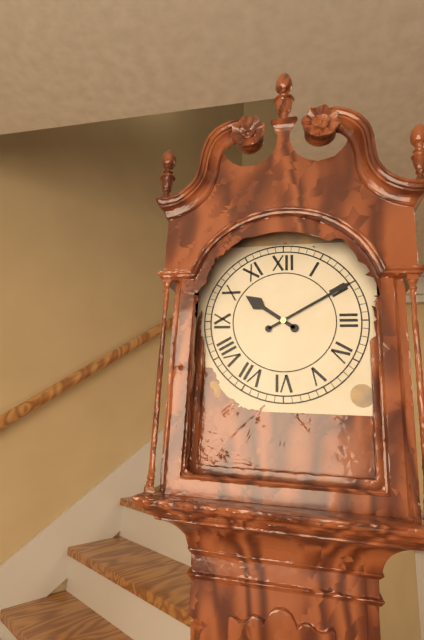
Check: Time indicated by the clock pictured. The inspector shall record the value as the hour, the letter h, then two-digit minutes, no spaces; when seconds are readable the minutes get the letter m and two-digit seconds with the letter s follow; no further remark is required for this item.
10h10
